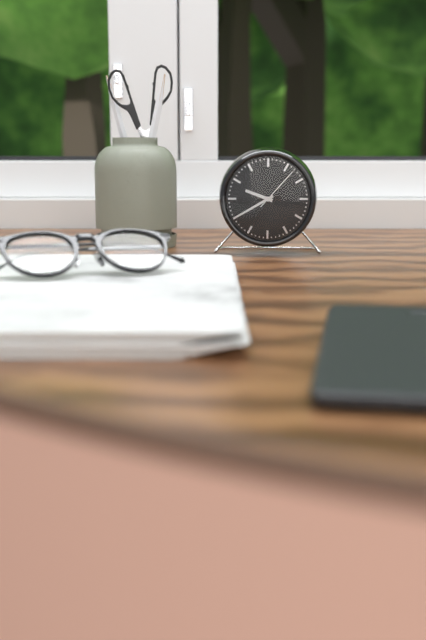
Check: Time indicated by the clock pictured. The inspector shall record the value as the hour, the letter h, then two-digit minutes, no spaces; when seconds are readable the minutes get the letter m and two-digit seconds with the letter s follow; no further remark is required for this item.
9h40
